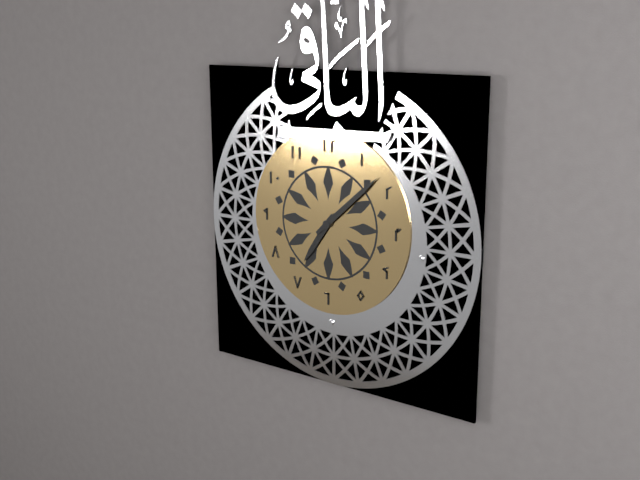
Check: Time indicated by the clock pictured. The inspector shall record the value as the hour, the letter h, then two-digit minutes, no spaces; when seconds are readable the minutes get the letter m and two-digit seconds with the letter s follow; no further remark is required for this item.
7h08
